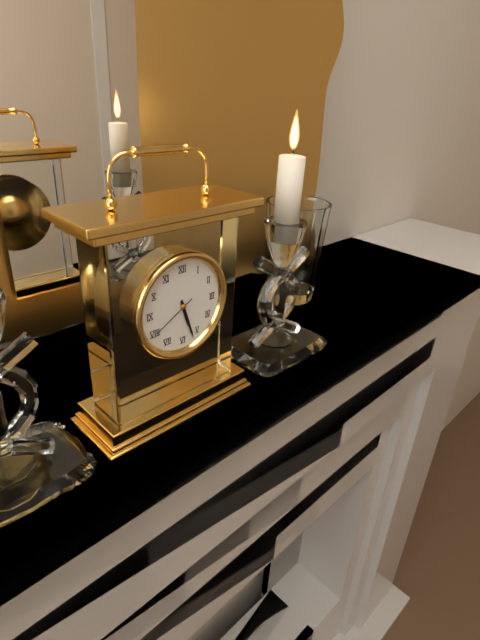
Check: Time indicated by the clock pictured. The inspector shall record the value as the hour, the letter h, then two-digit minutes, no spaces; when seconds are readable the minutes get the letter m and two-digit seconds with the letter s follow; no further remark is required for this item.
5h27
